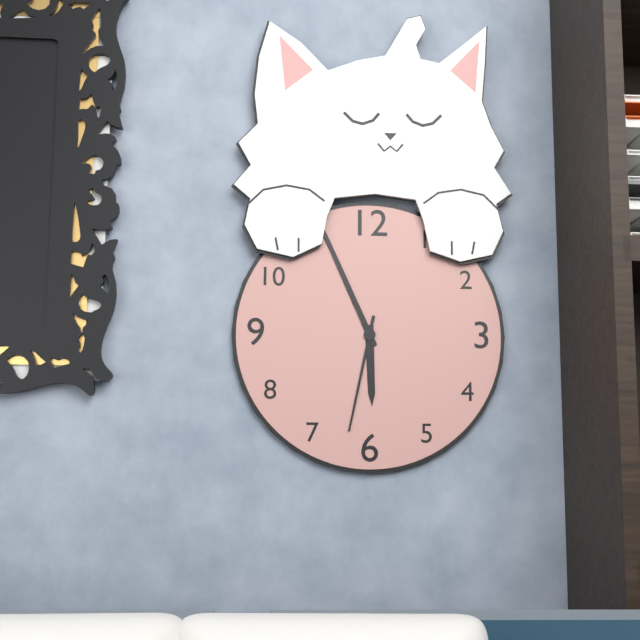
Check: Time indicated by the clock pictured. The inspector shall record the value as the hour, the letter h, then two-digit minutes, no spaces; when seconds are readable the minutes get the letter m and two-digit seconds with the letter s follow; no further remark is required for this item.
5h56m32s
